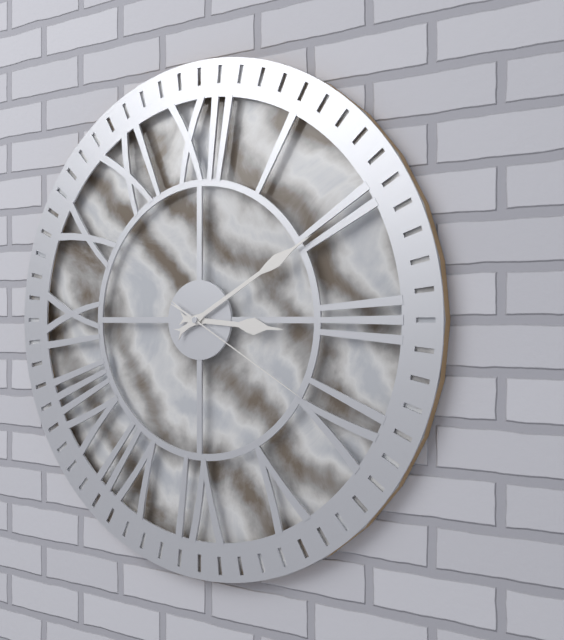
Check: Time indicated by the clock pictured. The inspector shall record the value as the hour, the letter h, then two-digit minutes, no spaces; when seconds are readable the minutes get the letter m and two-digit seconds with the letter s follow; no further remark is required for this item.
3h10m20s
